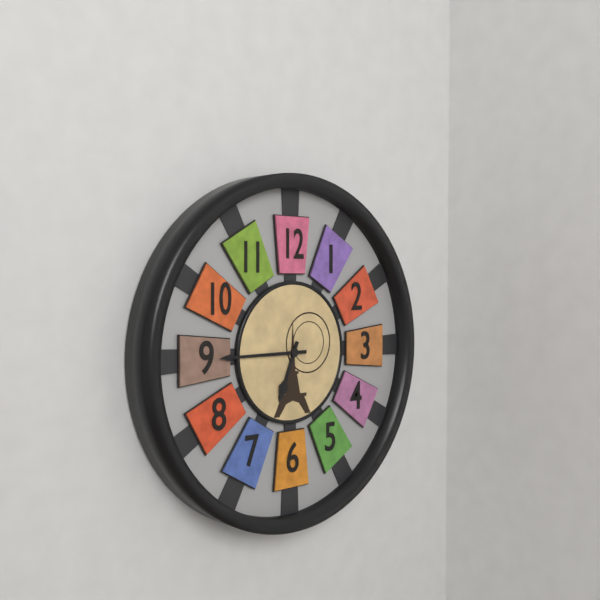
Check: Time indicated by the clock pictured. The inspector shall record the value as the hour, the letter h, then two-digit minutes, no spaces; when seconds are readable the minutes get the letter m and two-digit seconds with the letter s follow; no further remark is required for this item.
6h45
